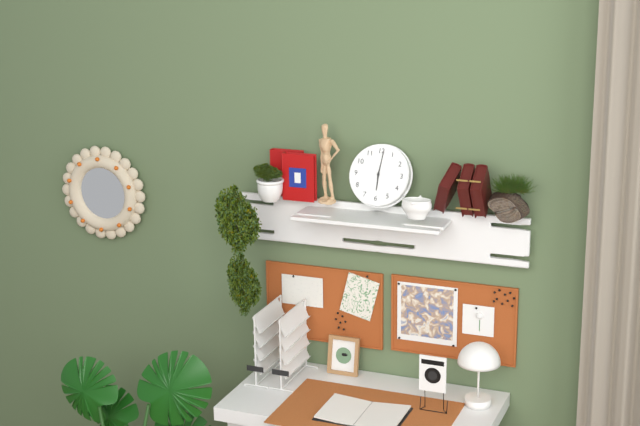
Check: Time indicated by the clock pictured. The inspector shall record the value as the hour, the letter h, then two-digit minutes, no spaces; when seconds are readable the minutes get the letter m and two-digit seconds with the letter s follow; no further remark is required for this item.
6h01
